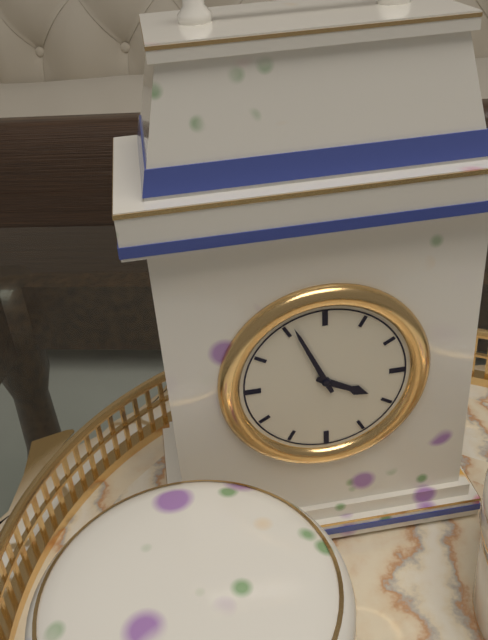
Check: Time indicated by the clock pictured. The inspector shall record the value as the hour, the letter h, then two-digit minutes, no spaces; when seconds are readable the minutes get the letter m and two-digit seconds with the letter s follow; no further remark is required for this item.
3h56
